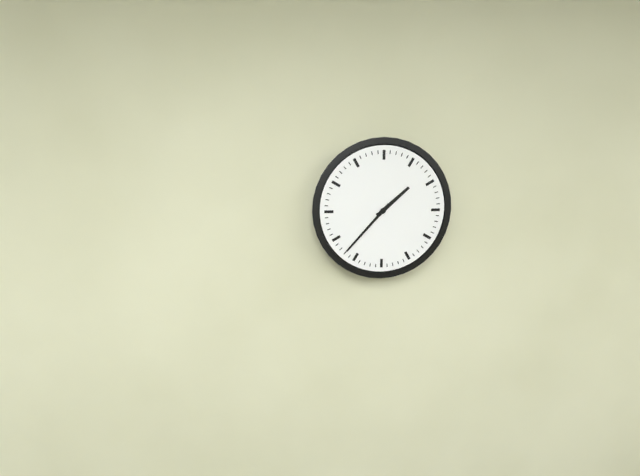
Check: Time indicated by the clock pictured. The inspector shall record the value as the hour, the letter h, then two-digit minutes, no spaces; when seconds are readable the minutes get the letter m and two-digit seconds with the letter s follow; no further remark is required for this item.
1h37
